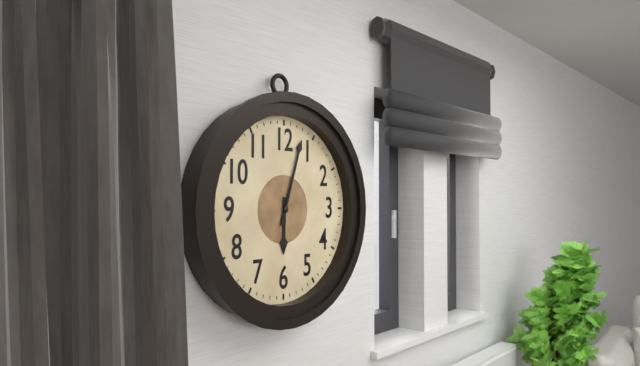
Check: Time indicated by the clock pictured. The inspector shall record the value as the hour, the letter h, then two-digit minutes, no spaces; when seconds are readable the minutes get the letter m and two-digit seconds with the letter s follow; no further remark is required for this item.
6h03
